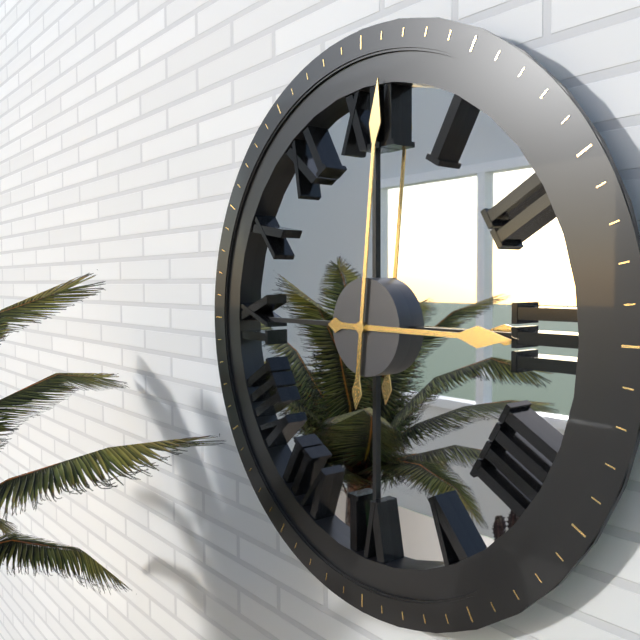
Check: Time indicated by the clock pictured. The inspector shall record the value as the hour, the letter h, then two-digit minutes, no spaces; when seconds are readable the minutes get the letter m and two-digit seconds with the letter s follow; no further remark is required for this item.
3h01
